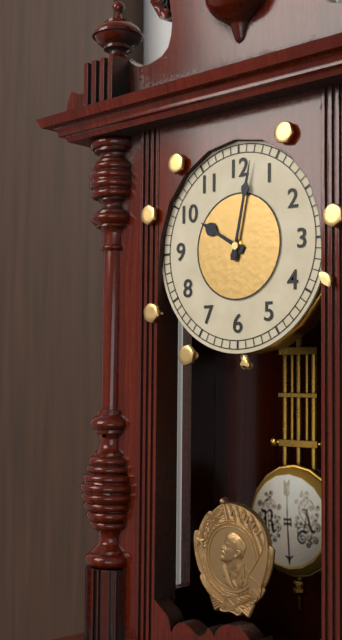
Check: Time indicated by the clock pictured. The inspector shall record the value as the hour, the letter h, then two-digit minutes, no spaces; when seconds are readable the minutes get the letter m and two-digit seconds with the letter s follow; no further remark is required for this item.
10h02
